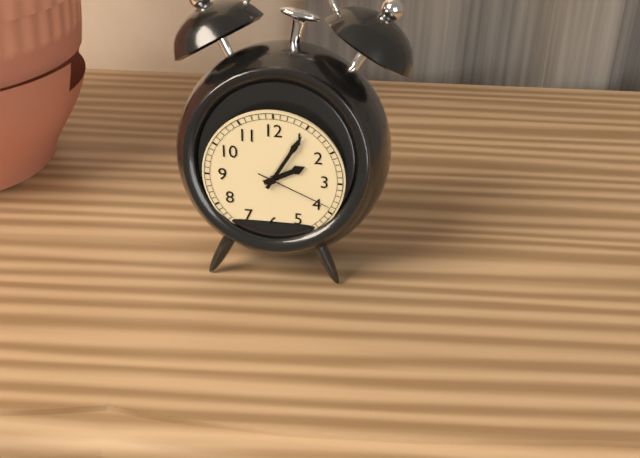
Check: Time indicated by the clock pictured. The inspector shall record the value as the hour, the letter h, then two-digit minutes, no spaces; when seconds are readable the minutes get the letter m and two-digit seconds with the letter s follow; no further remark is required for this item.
2h05m19s
